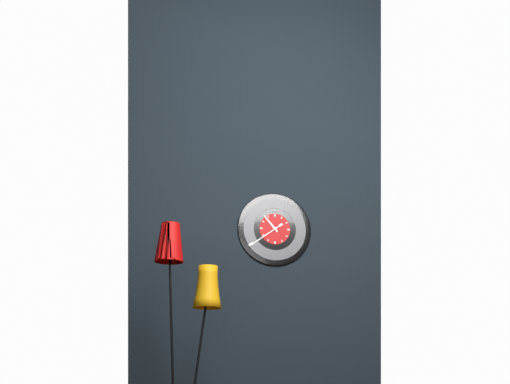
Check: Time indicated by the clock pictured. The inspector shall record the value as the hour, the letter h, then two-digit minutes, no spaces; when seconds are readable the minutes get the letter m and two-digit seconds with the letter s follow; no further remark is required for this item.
10h39
